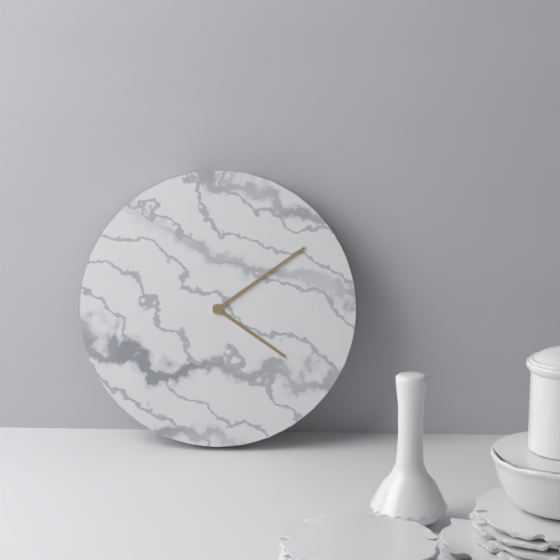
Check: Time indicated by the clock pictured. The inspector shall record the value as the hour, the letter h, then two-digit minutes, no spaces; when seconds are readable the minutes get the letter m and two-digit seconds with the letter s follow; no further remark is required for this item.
4h09
